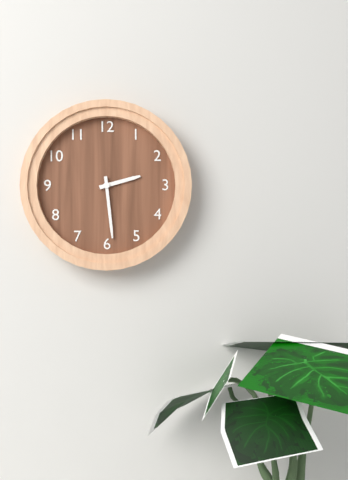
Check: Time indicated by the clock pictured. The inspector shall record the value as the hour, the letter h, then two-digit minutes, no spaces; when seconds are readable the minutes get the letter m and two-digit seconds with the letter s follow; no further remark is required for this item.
2h29
